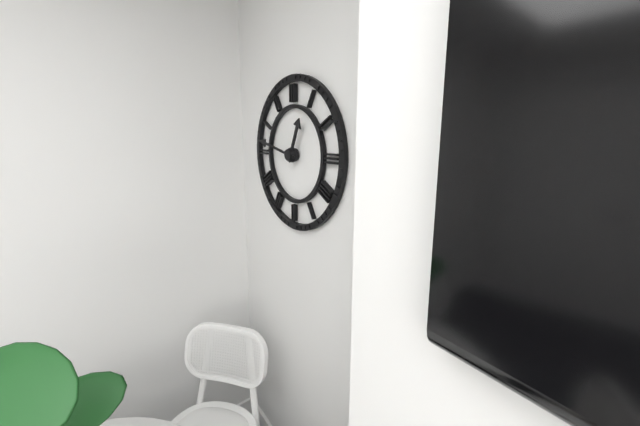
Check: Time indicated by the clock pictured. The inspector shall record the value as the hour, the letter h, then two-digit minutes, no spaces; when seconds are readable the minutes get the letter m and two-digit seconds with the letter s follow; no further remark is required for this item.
12h47
